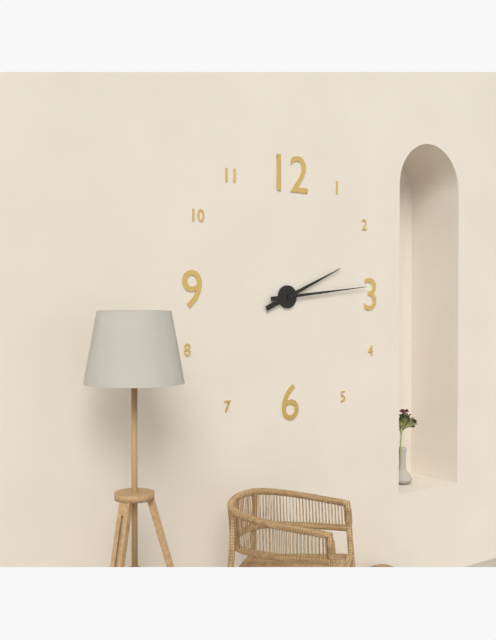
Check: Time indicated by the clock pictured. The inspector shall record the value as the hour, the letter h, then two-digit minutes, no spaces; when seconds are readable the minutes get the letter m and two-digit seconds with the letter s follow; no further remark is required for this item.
2h14
